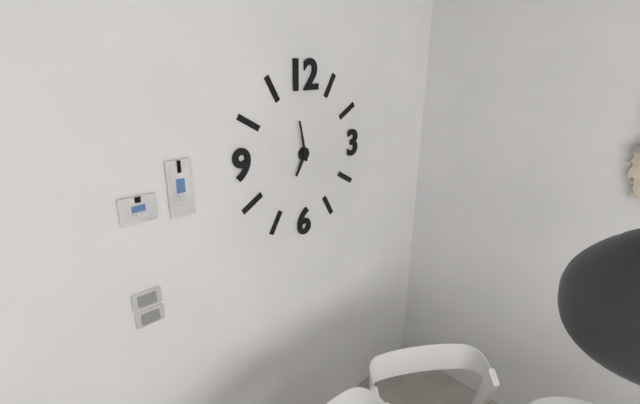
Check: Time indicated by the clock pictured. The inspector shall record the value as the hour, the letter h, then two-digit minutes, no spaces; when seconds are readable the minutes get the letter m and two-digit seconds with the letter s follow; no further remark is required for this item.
6h58
